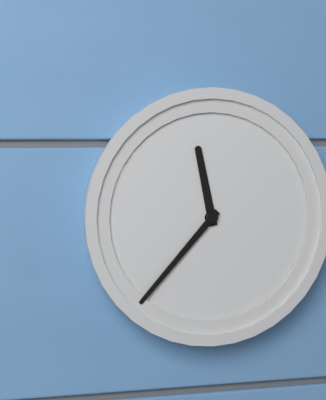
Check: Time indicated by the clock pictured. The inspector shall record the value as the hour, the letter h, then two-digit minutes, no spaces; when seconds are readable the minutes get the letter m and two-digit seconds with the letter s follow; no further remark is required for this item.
11h37
